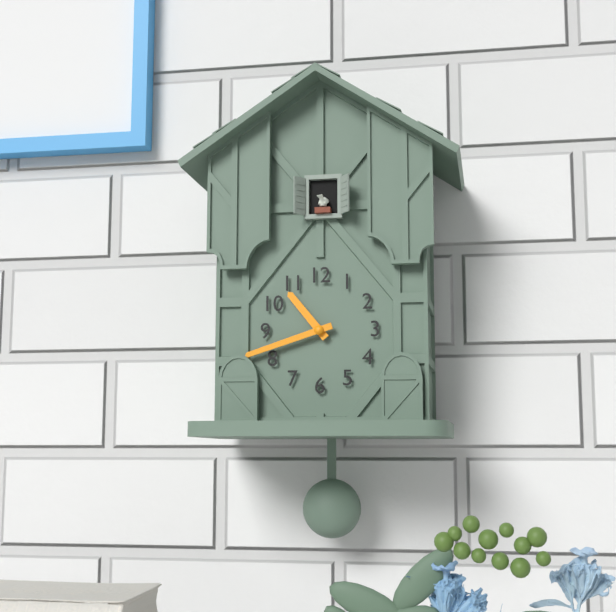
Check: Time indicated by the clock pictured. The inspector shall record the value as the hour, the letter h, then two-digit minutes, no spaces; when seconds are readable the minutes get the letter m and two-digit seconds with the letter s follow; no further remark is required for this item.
10h42
